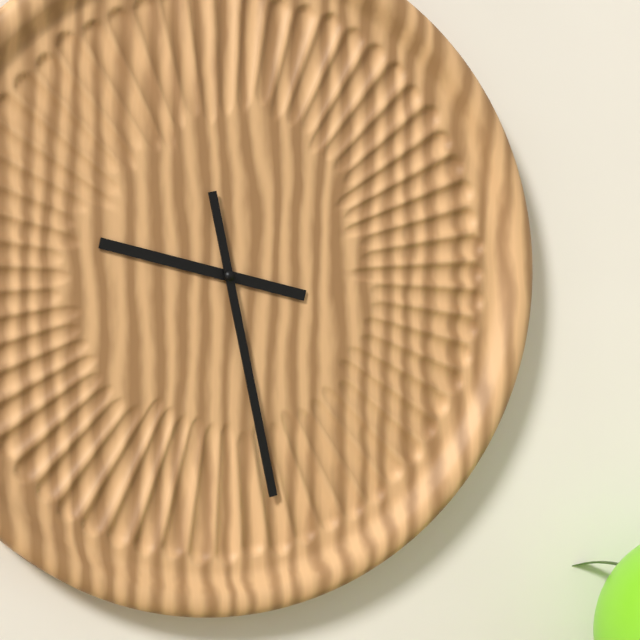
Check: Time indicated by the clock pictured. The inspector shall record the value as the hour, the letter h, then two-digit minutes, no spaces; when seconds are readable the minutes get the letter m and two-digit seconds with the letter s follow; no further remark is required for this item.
9h28
